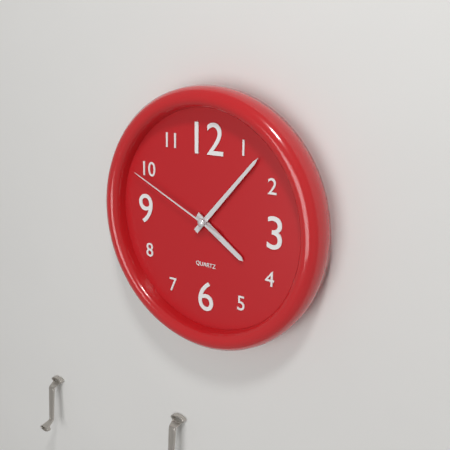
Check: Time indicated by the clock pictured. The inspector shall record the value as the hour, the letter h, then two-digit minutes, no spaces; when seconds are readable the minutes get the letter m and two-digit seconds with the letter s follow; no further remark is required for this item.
4h07m49s
